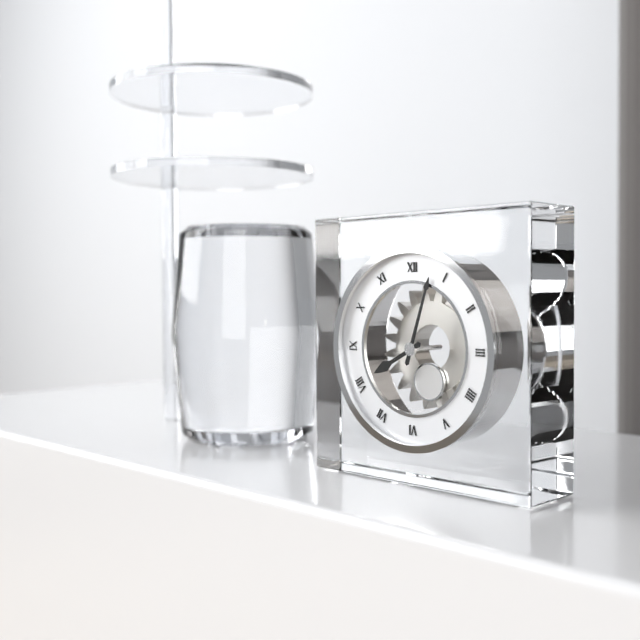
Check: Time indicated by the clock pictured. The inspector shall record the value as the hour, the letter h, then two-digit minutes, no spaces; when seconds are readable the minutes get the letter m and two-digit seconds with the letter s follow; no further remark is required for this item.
8h03
